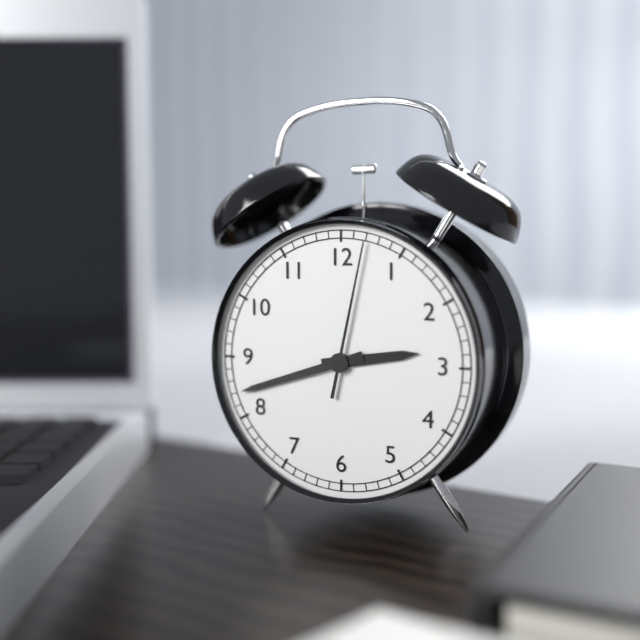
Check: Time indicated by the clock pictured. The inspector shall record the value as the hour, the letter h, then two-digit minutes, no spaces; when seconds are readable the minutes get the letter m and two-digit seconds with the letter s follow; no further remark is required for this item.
2h42m02s
